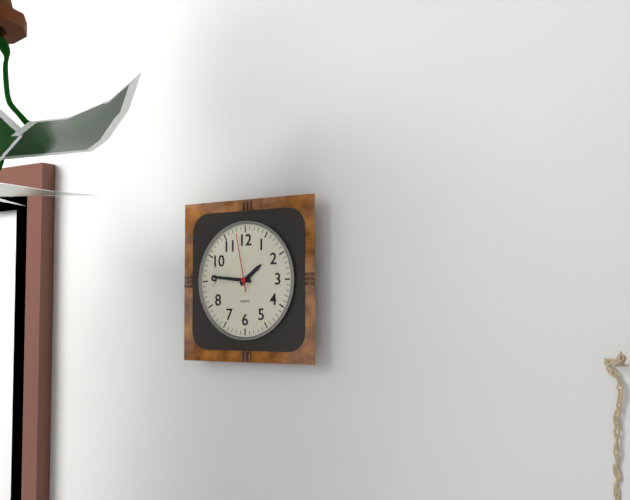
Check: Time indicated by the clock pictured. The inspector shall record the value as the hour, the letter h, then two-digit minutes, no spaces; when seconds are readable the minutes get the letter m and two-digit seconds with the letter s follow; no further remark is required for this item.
1h46m58s
